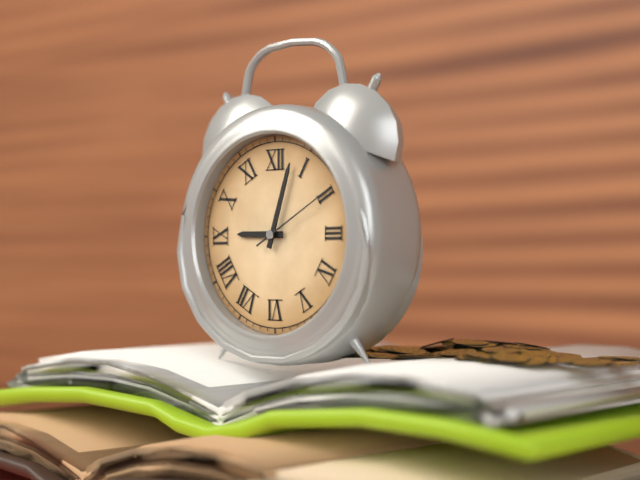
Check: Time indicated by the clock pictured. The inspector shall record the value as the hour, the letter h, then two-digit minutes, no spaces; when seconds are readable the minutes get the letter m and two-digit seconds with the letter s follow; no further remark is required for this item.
9h03m10s
